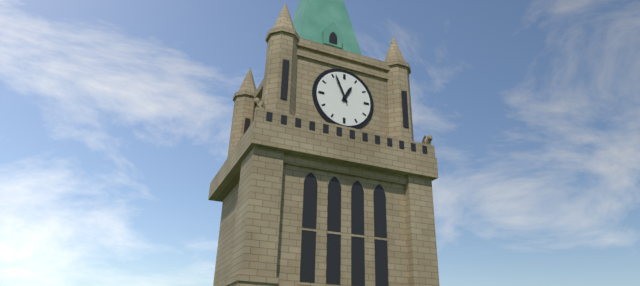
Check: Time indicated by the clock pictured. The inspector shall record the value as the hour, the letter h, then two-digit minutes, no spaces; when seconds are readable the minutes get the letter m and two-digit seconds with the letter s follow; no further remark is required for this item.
12h56
